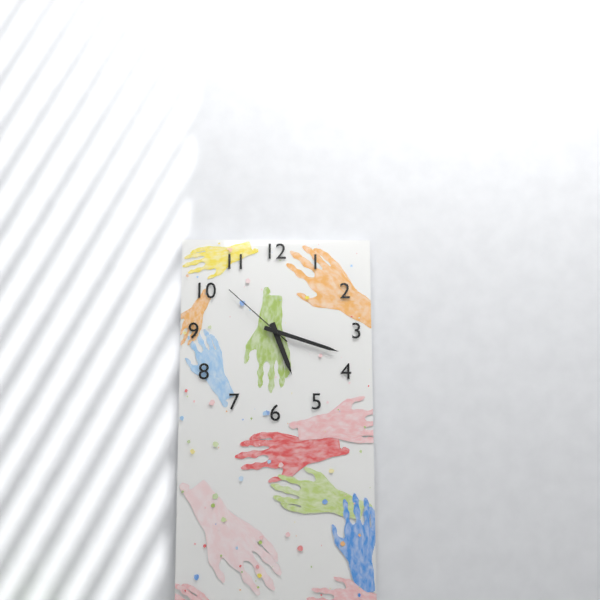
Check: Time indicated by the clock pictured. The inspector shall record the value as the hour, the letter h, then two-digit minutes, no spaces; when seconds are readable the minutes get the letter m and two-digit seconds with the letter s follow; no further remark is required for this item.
5h18m52s
